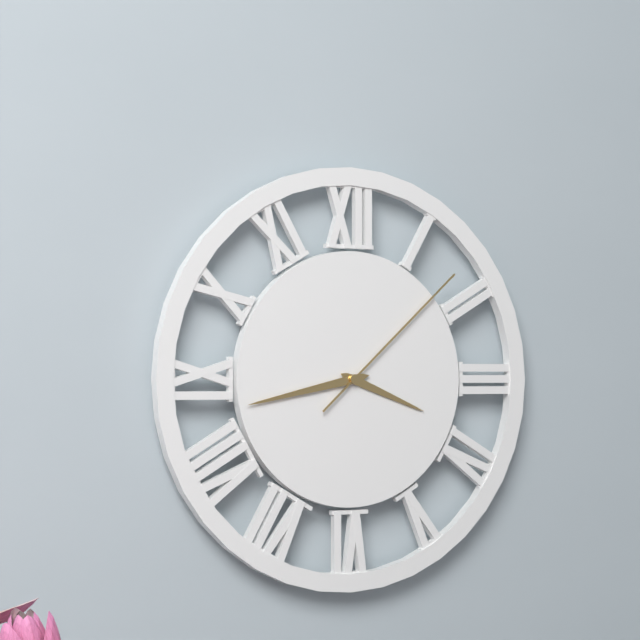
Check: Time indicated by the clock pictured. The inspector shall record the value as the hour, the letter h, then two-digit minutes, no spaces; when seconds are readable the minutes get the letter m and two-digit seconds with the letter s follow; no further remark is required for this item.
3h43m08s
